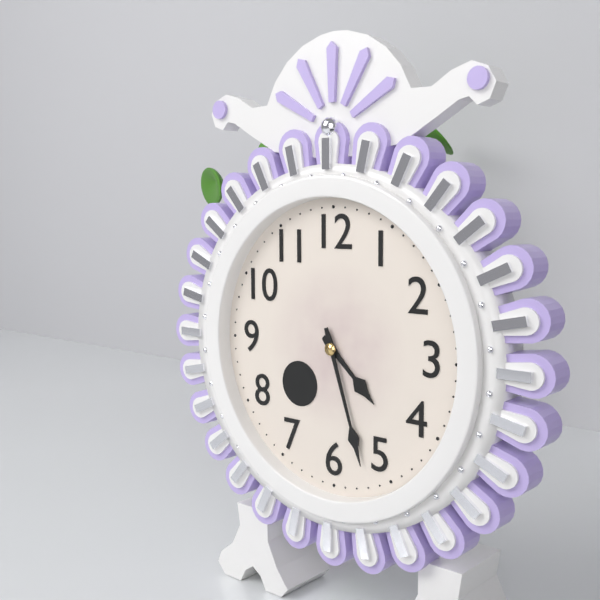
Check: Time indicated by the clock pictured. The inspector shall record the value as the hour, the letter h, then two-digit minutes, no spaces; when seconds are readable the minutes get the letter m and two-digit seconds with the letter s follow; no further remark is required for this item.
4h27
